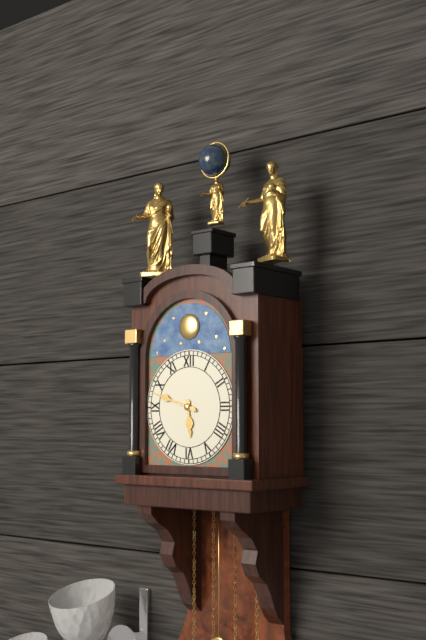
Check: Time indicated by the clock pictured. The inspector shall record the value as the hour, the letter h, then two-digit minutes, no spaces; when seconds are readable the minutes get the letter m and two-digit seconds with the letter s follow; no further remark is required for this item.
5h48
